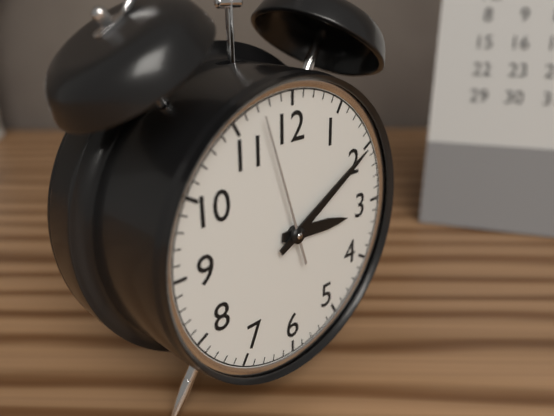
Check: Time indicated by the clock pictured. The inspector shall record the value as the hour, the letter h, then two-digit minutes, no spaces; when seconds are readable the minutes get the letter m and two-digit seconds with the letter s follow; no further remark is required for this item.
3h10m57s
